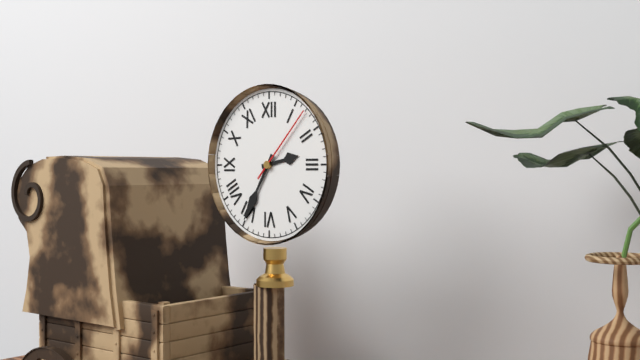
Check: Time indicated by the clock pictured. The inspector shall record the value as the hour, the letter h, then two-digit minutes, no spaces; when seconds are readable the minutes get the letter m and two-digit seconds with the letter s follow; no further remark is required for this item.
2h35m07s
